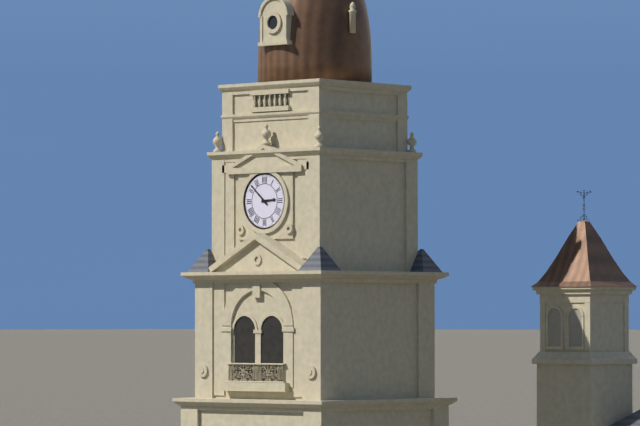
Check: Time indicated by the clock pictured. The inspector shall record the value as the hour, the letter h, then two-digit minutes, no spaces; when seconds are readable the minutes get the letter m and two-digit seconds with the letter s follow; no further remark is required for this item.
2h52
